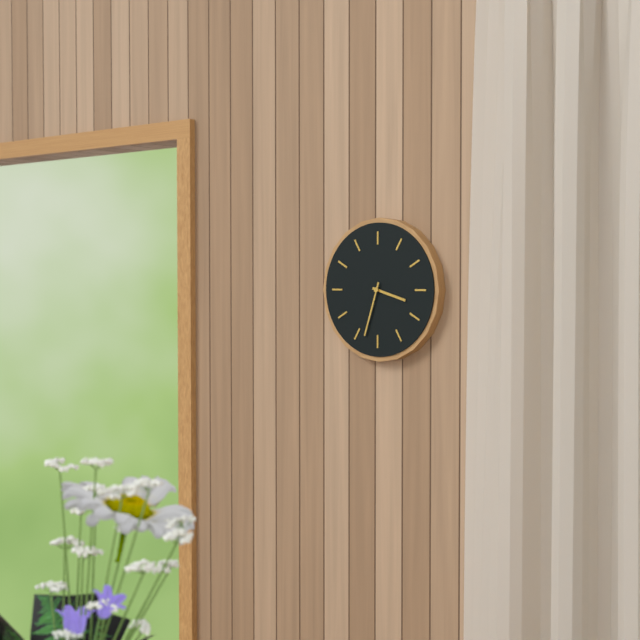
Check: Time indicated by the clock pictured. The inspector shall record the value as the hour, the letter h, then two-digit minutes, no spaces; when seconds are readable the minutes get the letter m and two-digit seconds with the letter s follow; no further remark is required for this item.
3h33
